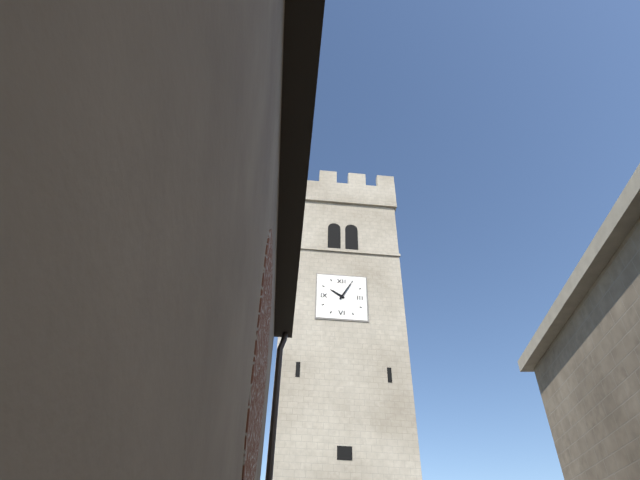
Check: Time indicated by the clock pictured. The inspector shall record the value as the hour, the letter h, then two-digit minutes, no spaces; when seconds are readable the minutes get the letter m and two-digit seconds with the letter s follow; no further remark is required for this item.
10h05
